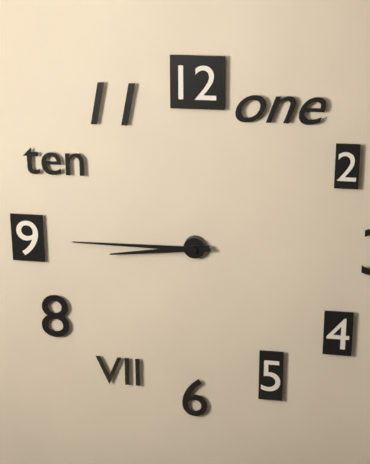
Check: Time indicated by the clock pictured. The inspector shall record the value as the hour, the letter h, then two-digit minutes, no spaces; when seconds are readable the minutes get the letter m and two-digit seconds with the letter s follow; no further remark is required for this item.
8h45
